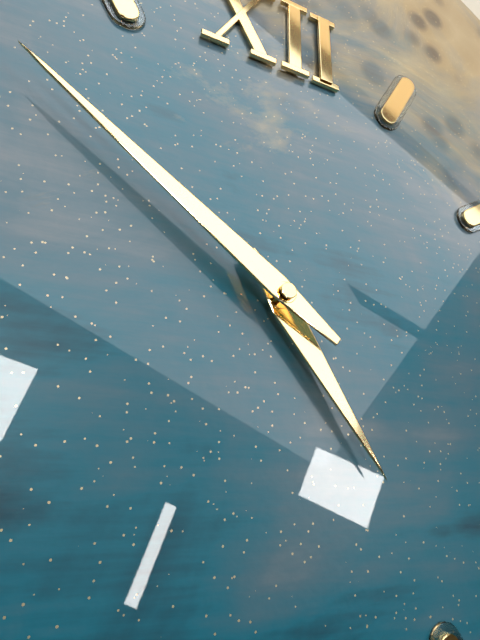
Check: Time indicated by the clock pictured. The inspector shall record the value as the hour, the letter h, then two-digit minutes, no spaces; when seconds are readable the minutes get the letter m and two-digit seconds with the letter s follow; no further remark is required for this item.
4h51
